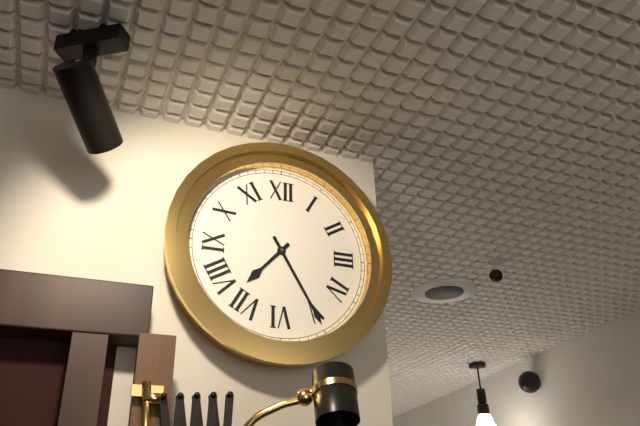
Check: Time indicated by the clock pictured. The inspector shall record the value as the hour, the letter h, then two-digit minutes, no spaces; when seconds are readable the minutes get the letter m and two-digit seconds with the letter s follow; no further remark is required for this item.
7h25
